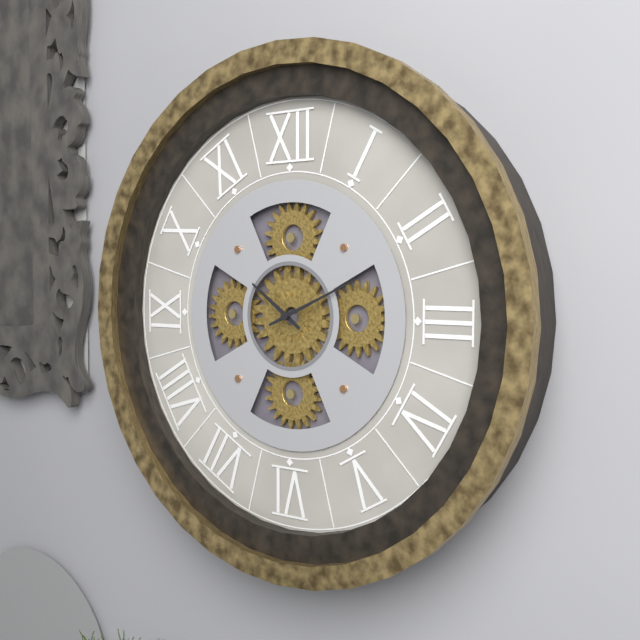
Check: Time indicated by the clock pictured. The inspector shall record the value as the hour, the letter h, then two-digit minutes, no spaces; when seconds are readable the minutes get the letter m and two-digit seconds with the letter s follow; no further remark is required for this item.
10h11
